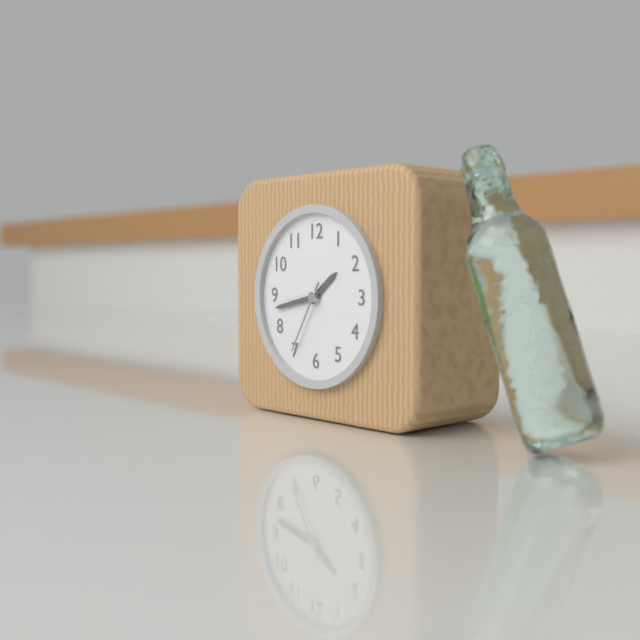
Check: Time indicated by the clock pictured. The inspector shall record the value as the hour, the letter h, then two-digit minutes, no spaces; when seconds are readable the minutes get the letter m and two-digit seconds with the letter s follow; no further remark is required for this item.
1h43m35s
